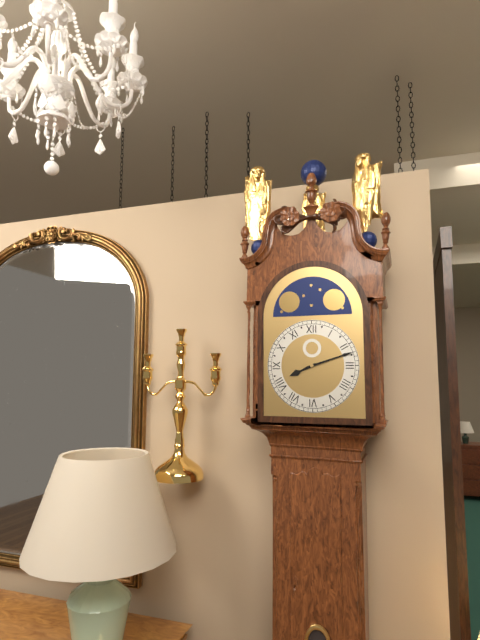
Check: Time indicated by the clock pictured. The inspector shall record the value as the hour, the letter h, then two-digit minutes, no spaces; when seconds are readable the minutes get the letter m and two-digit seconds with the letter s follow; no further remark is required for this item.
8h12
